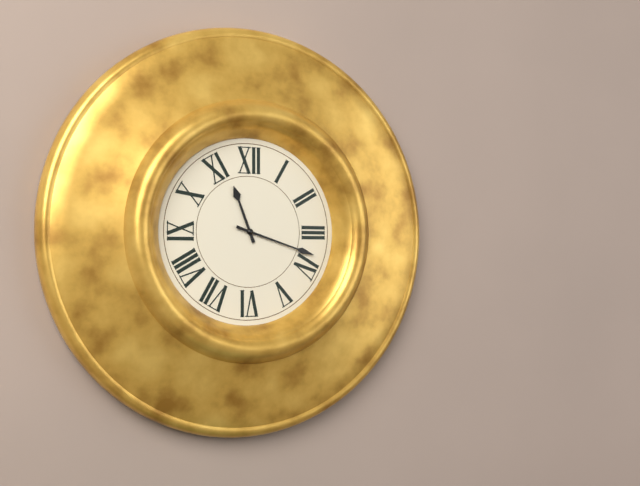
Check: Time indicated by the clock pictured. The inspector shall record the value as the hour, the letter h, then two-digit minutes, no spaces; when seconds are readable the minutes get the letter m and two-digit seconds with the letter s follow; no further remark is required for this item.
11h18
